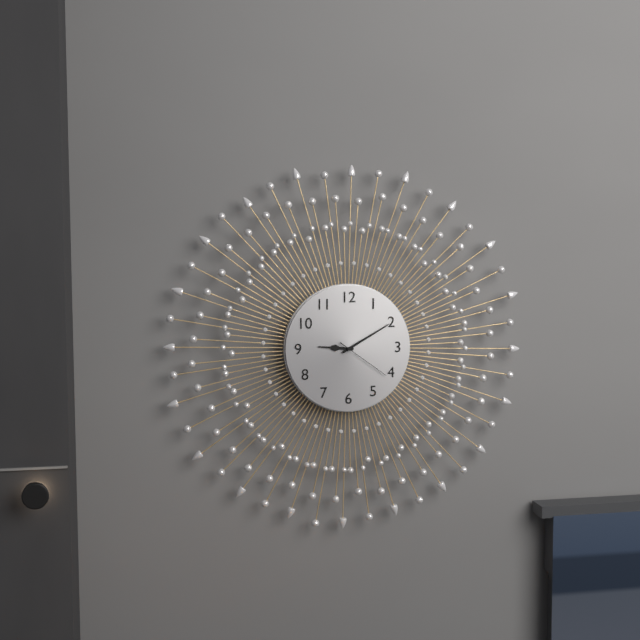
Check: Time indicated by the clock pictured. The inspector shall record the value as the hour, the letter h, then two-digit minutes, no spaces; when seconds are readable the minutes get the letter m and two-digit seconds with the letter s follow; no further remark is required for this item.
9h10m21s
